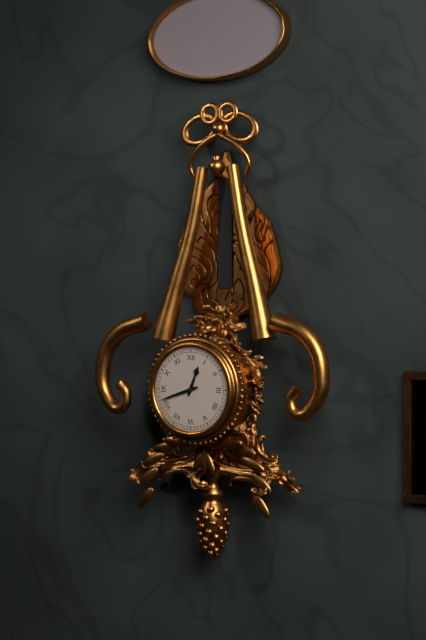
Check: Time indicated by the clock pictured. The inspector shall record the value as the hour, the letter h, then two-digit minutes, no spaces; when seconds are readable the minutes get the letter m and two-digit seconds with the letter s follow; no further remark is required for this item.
12h42
